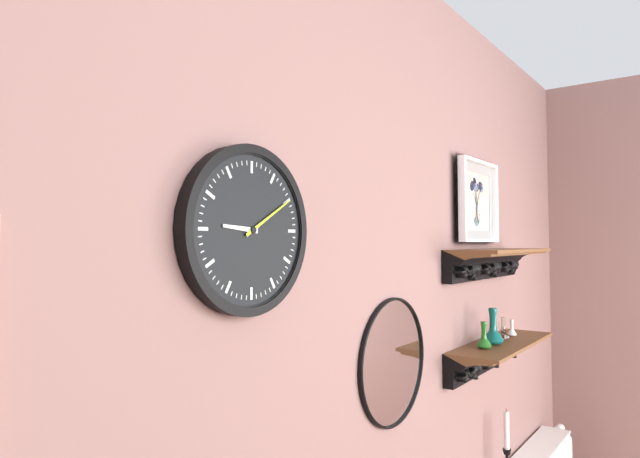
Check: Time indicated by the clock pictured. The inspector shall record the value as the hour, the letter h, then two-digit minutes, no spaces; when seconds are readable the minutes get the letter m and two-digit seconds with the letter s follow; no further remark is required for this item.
9h10
